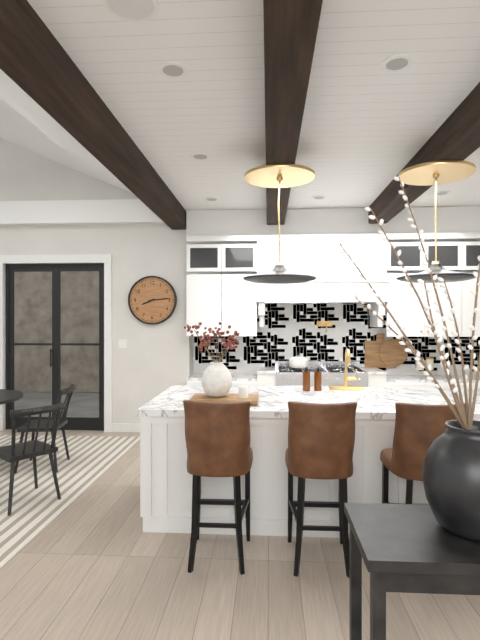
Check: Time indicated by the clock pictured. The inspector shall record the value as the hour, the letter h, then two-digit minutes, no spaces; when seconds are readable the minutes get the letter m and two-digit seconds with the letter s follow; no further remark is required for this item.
8h14
